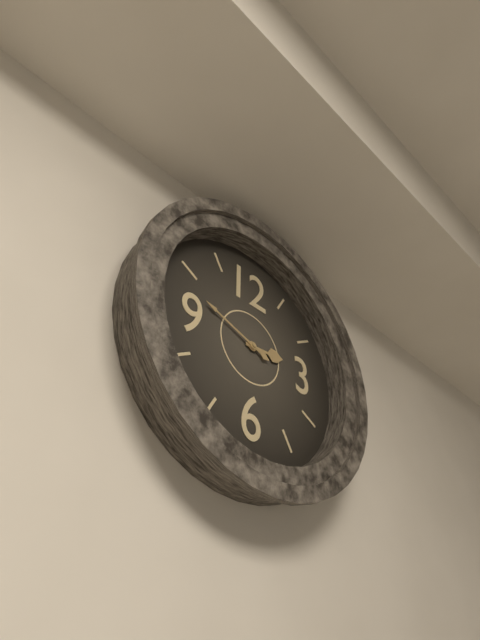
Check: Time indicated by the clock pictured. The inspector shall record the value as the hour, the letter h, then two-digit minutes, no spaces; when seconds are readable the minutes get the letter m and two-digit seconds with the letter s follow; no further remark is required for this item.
2h48
